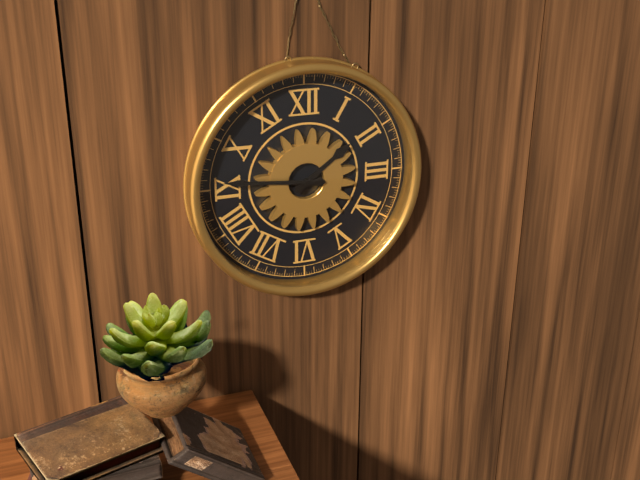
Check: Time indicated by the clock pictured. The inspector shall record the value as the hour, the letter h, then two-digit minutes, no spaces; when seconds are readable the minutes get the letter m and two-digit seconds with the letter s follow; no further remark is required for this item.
1h46
